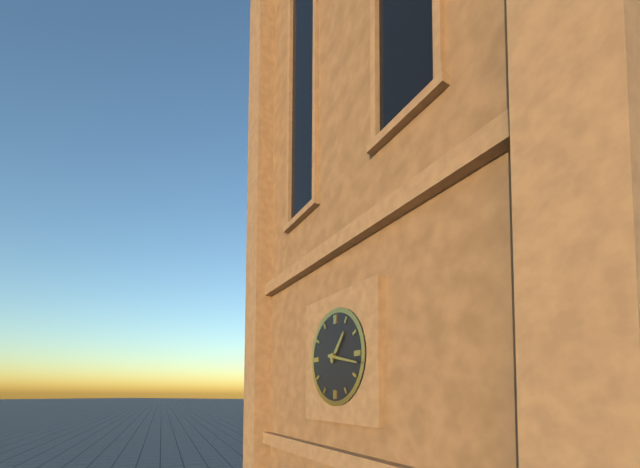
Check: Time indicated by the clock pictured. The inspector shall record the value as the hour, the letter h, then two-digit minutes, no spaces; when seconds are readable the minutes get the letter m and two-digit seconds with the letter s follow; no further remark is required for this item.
1h17
